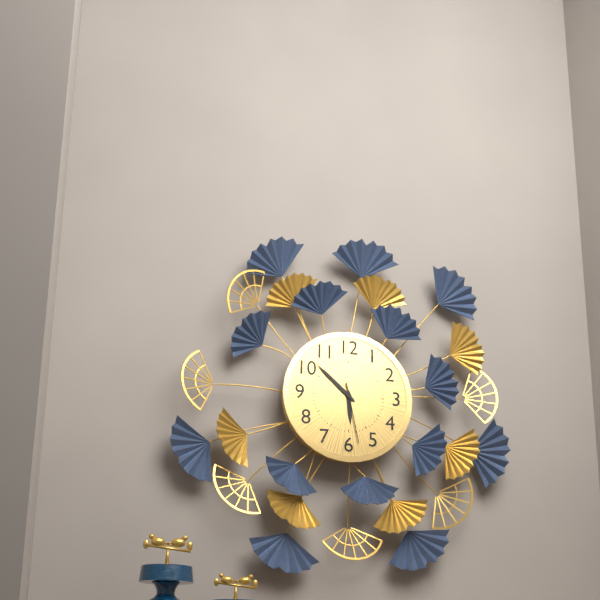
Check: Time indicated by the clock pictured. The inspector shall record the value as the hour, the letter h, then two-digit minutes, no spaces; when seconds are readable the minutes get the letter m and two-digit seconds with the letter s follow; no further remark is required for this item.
5h52m28s
